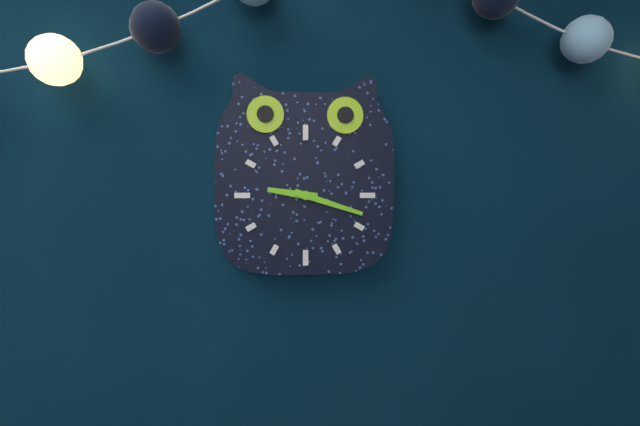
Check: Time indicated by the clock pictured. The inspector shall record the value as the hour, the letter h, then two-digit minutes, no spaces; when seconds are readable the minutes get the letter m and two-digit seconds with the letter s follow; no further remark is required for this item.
9h18
